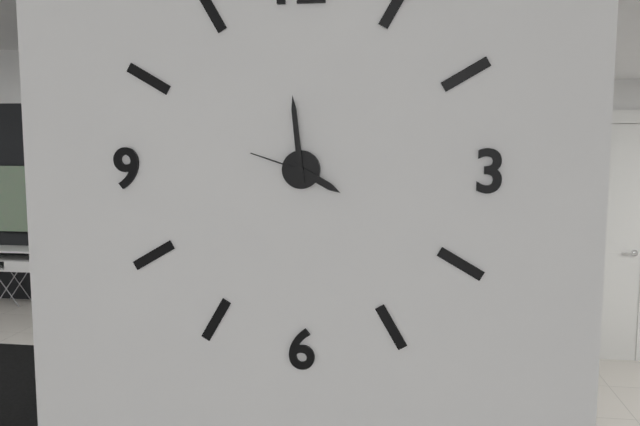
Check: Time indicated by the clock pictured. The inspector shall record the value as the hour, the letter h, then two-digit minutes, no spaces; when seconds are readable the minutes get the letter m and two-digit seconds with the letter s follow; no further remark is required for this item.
3h59m48s
